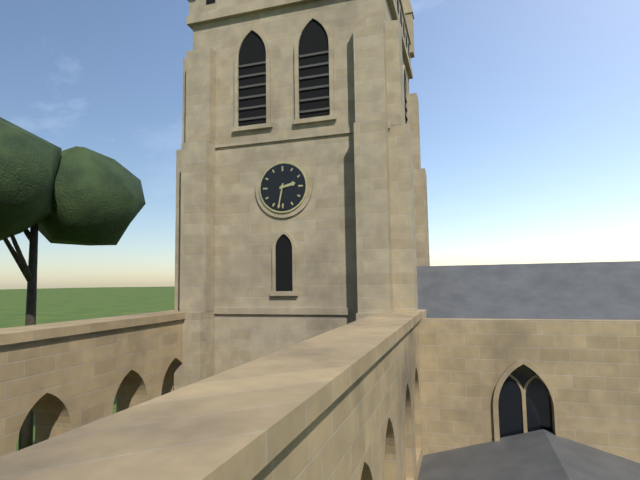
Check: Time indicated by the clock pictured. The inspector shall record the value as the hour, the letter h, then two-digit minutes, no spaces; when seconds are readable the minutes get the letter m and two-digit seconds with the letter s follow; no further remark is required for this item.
2h32
